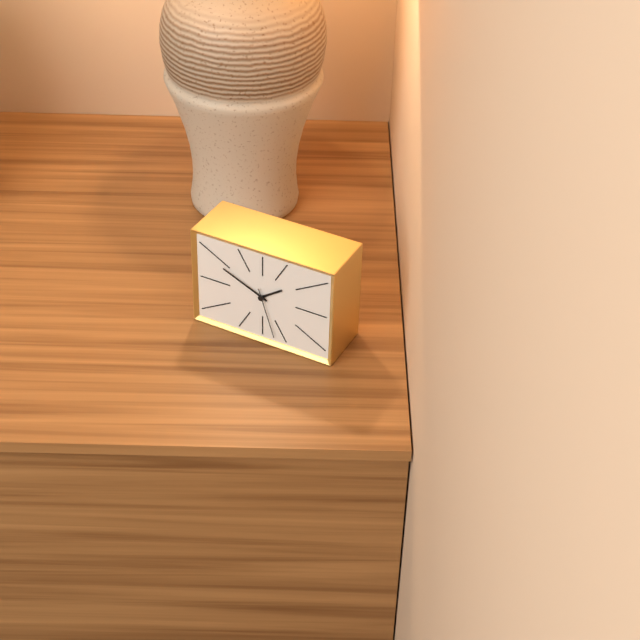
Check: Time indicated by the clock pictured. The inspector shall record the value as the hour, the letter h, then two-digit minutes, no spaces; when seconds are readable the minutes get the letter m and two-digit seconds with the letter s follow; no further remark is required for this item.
1h49m27s
